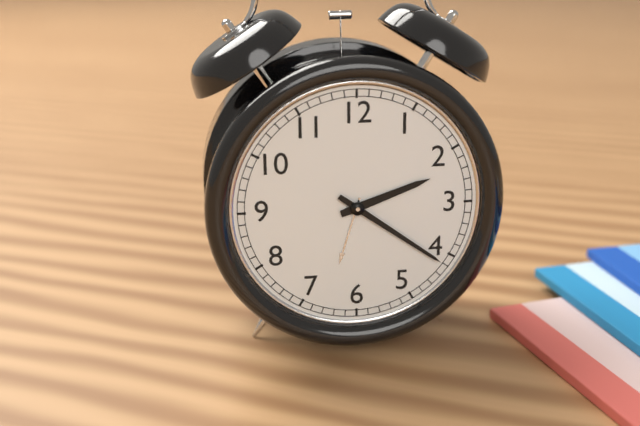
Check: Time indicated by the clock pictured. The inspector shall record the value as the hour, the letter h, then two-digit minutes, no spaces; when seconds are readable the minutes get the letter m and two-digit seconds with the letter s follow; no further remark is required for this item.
2h21
